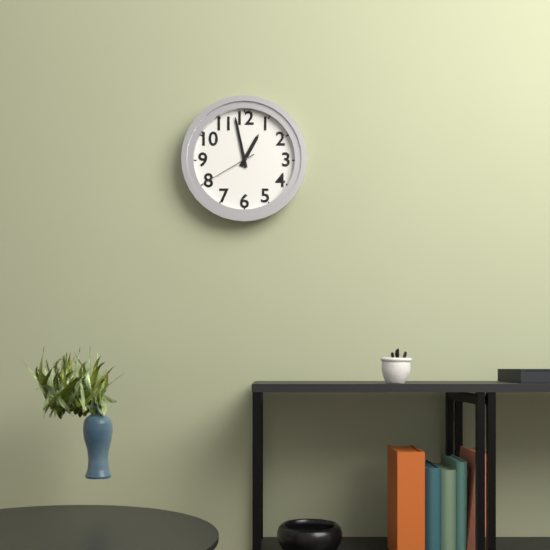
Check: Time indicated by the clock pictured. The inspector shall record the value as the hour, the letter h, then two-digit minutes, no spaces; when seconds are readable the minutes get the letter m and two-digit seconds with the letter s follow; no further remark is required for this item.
12h58m40s
